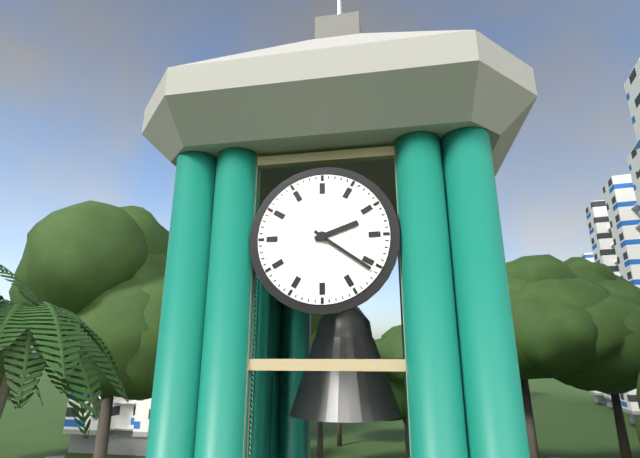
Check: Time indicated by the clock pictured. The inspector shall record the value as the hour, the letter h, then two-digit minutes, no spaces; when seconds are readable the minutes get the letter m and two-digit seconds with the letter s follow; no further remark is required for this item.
2h21
